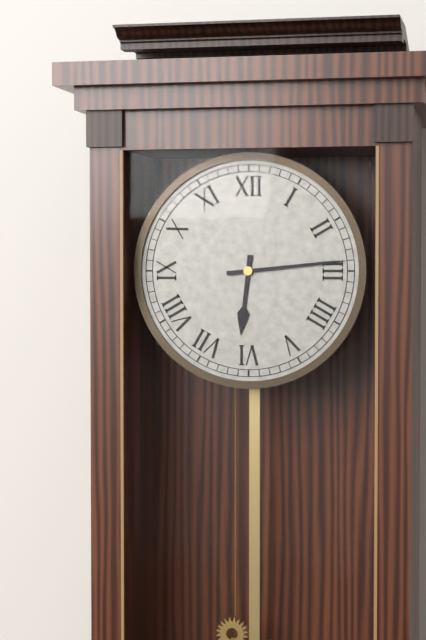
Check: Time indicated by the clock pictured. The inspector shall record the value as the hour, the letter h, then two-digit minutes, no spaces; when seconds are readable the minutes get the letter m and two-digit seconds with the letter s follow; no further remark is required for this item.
6h14
